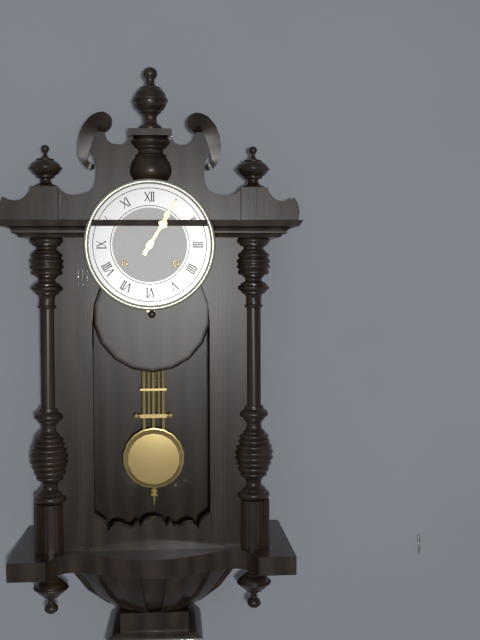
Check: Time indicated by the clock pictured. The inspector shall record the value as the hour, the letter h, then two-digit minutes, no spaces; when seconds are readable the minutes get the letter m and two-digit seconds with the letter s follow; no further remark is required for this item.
1h05
